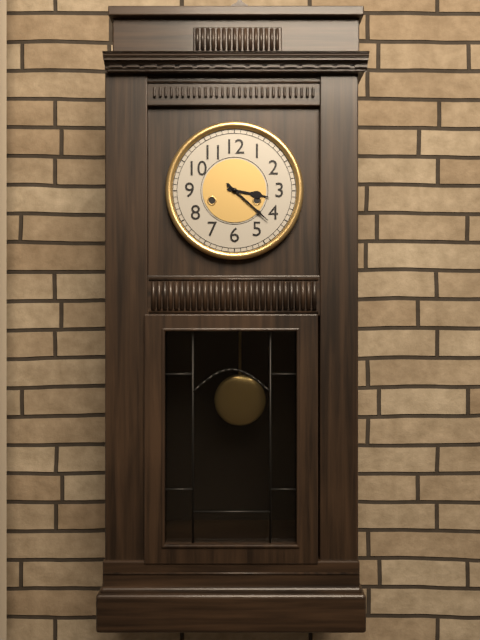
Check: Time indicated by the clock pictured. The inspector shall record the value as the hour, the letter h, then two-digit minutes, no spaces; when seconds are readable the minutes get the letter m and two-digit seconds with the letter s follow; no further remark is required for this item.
3h22
